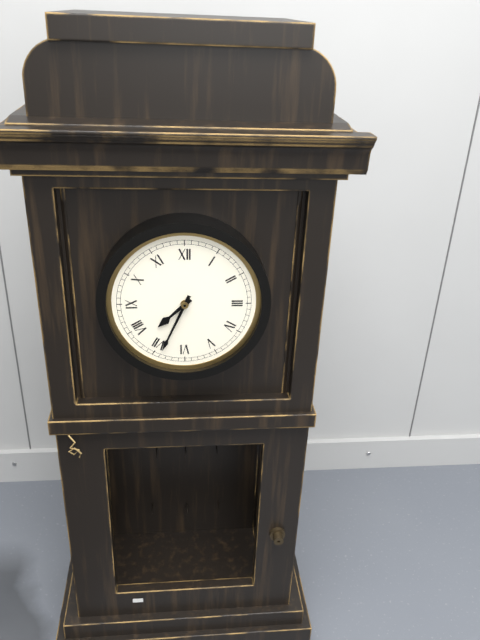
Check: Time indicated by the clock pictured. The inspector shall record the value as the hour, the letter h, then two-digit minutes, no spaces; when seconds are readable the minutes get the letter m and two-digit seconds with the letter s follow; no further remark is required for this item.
7h34
